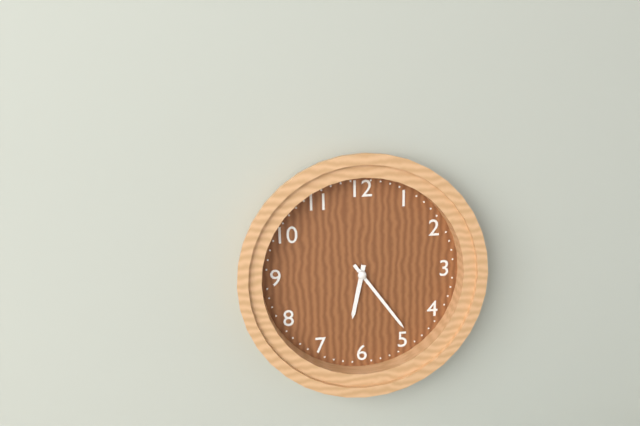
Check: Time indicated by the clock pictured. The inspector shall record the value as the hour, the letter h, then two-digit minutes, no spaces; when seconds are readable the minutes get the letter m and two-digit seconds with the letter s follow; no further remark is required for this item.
6h24
